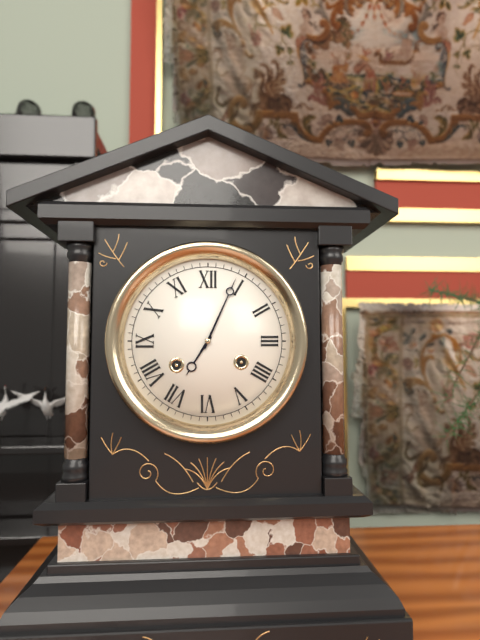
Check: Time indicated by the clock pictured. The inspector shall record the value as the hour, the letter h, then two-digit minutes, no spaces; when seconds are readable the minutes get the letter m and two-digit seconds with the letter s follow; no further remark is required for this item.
7h04
